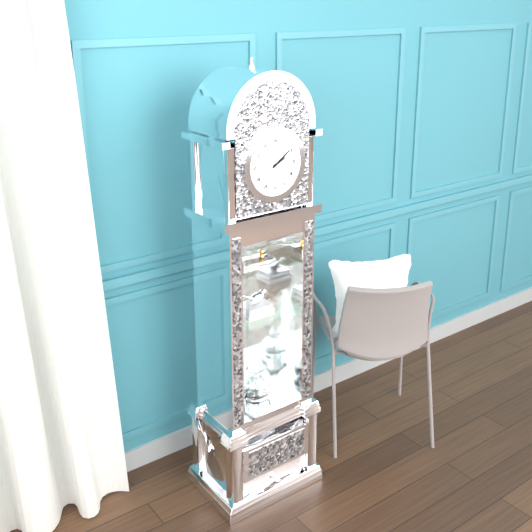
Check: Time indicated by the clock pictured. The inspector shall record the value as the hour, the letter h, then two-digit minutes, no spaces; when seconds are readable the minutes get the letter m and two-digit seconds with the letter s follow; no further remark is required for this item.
2h09
